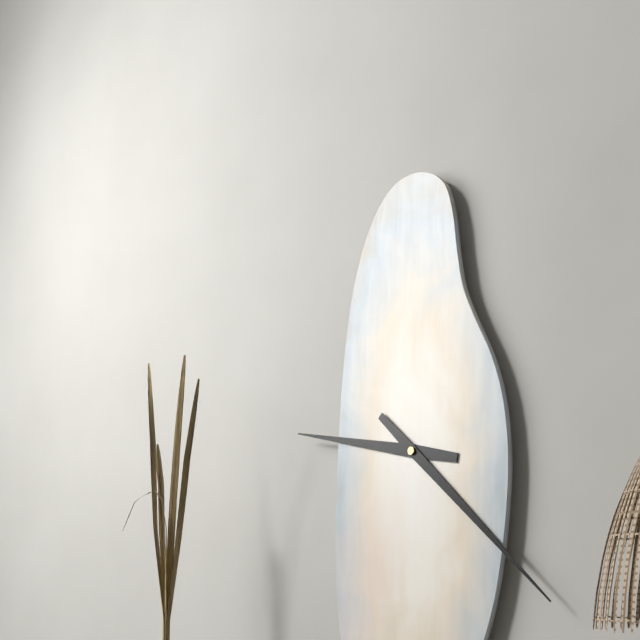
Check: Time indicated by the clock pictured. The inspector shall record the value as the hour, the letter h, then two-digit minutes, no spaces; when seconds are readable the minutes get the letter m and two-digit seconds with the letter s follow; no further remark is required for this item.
9h22
